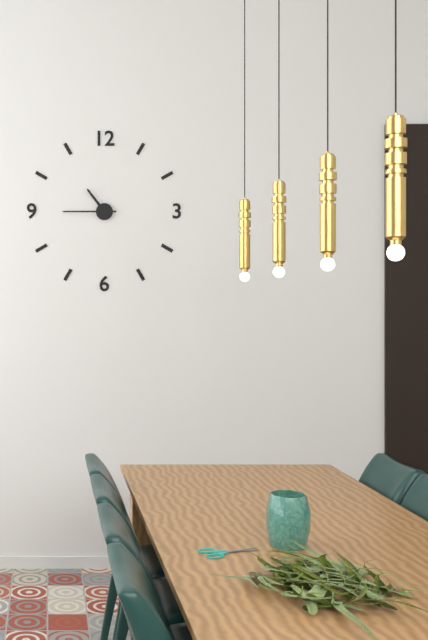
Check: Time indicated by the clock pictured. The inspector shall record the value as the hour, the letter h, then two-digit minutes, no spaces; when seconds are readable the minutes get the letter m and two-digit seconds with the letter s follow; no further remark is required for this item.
10h45
